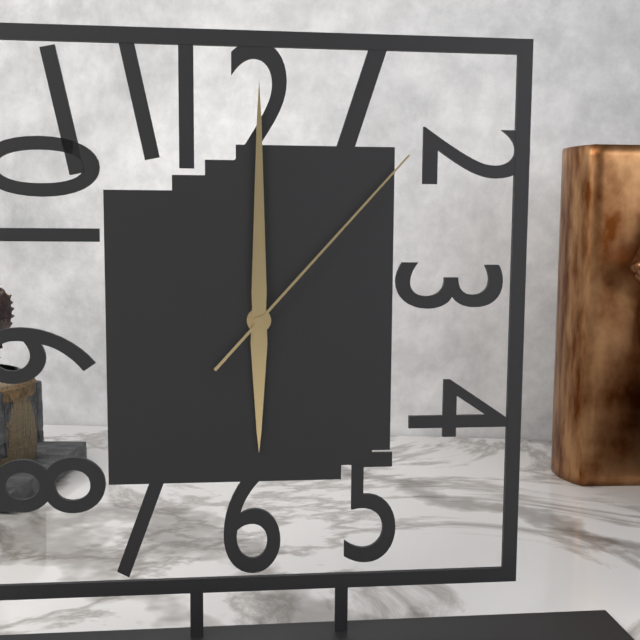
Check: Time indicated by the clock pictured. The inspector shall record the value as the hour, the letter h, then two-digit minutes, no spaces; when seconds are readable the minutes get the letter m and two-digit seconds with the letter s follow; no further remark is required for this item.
6h00m07s
